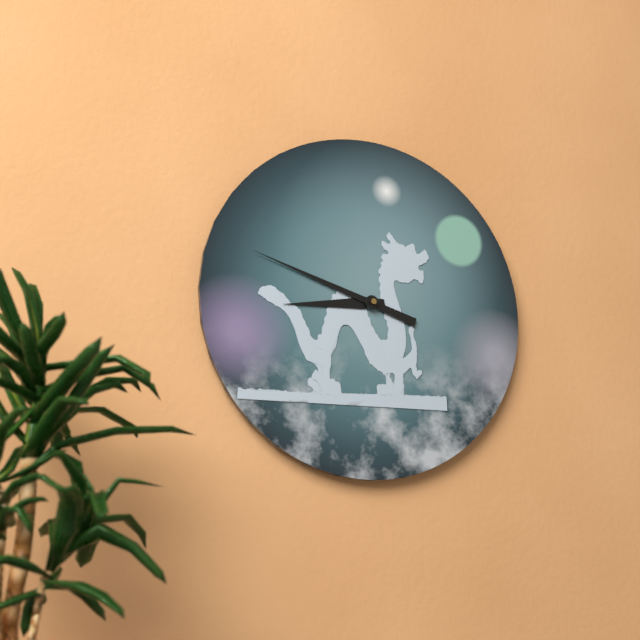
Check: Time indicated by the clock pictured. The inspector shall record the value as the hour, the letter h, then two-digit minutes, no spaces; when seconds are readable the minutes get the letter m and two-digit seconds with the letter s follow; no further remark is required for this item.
8h48
